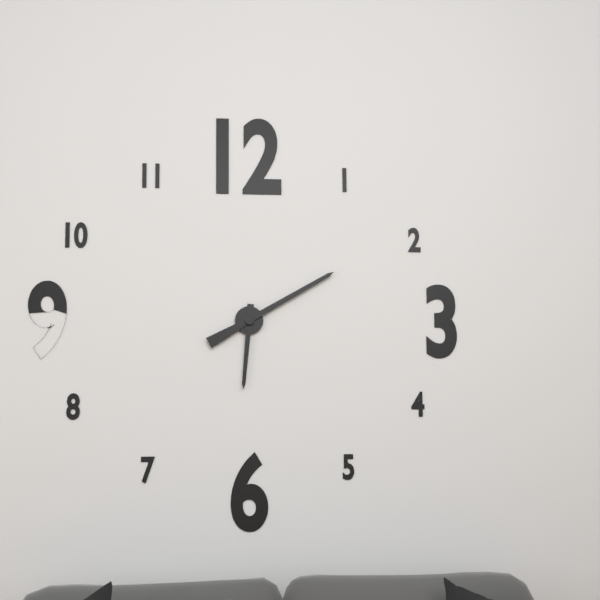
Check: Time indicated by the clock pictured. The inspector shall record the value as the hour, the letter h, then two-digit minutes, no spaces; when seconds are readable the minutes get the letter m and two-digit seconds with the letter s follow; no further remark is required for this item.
6h10
